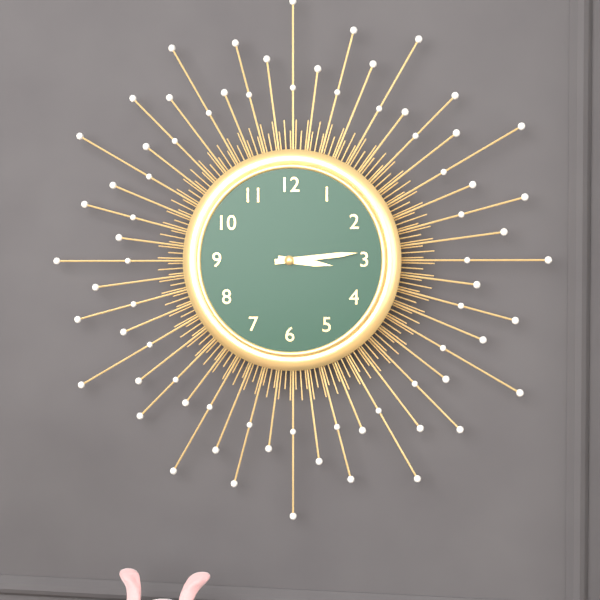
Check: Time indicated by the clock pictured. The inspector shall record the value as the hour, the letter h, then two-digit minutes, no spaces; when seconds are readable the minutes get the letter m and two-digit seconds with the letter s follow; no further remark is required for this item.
3h14
